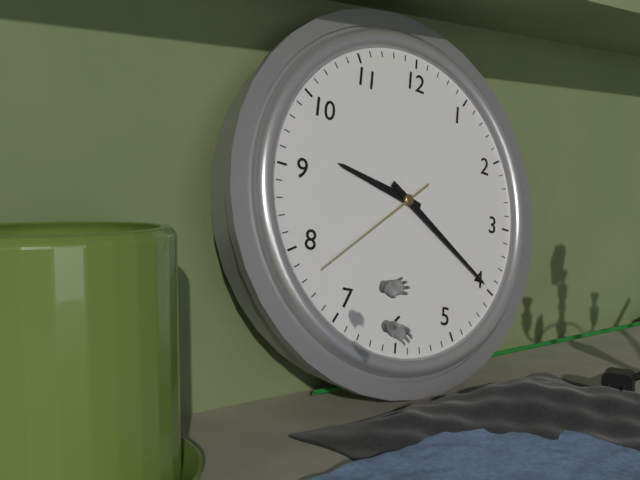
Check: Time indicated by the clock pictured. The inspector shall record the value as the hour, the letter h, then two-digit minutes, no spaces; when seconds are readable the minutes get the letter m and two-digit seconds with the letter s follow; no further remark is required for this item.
9h20m38s
